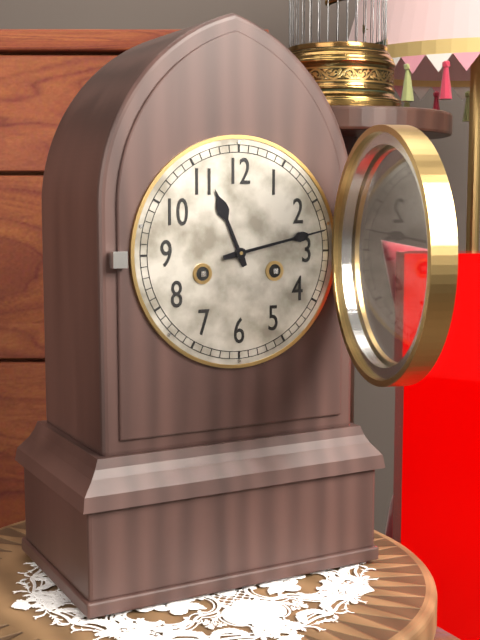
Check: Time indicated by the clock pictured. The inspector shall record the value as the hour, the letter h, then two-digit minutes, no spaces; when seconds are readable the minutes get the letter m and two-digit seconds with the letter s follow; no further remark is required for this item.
11h13
